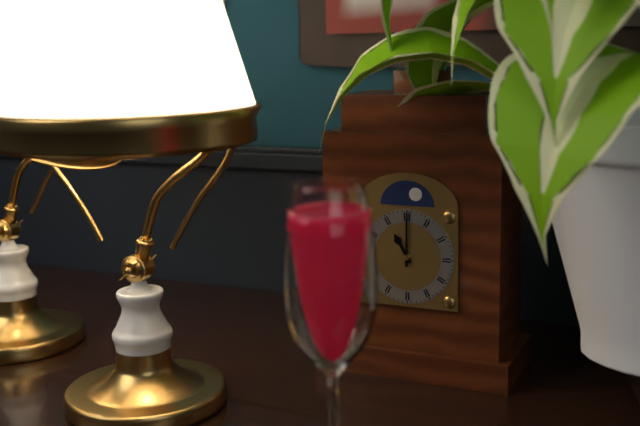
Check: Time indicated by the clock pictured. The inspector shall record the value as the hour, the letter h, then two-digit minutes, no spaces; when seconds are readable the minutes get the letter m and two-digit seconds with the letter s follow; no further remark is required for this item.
11h00
